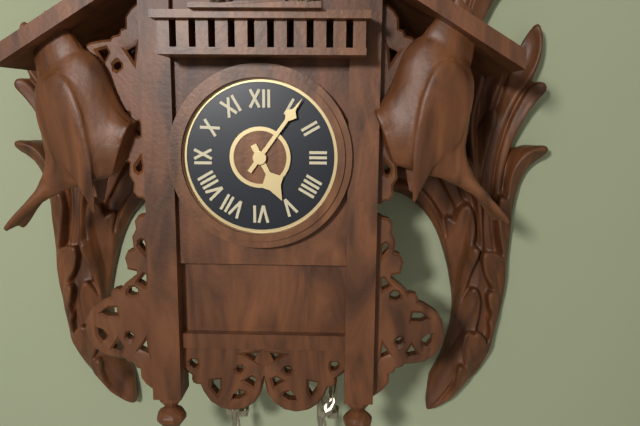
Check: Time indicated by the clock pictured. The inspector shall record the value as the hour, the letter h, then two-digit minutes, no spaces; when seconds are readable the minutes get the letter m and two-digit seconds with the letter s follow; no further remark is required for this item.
5h06
